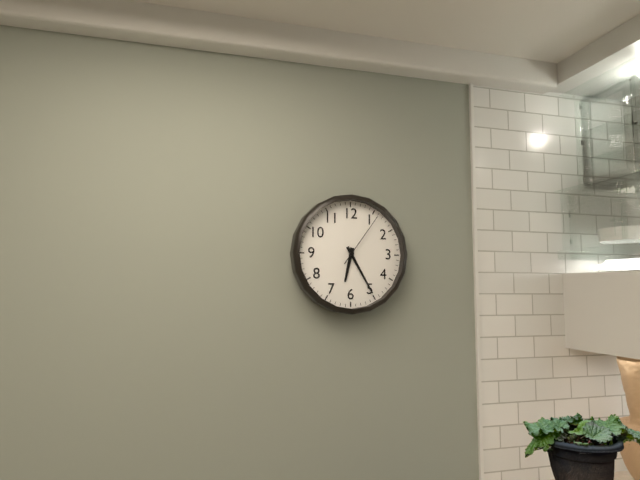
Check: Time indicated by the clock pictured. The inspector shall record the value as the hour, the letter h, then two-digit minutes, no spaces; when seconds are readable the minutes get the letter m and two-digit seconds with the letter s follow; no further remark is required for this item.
6h25m06s
